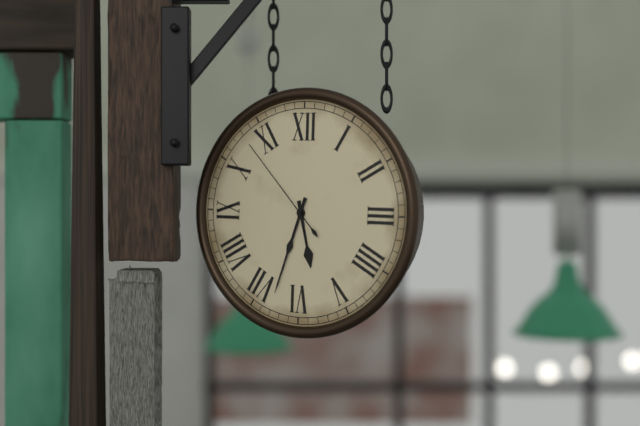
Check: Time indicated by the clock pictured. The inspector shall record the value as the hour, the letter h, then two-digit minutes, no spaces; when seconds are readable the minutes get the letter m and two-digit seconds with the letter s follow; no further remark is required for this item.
5h33m53s
